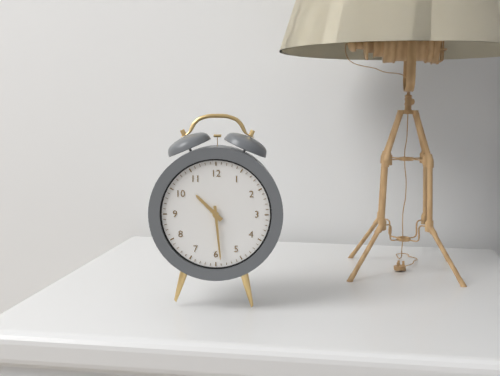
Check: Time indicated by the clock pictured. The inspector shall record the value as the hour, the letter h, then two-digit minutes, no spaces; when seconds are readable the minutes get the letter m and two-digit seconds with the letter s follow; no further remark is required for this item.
10h29
